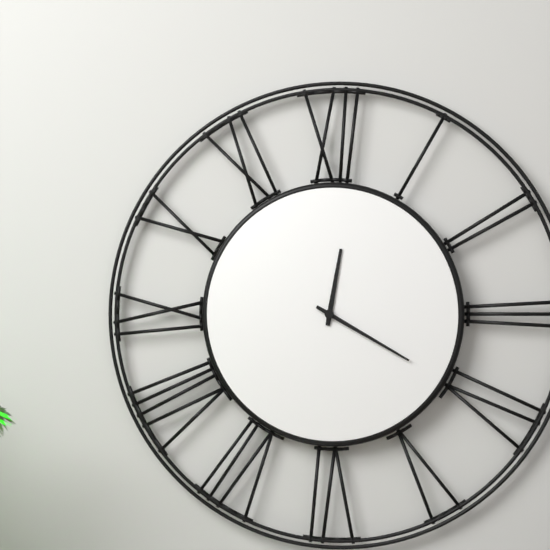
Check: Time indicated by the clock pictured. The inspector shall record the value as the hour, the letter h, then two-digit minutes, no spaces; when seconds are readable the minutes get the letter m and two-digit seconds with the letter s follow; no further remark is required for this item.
12h20
